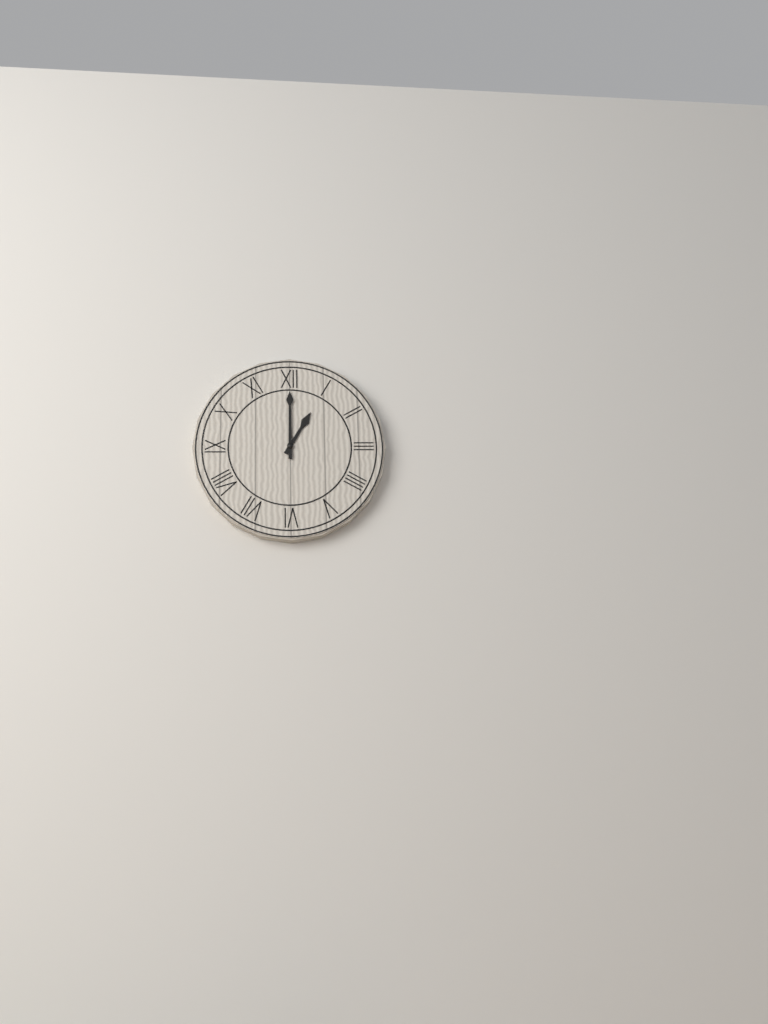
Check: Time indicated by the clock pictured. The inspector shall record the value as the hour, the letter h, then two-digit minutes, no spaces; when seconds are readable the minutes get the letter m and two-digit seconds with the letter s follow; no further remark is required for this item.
1h00
